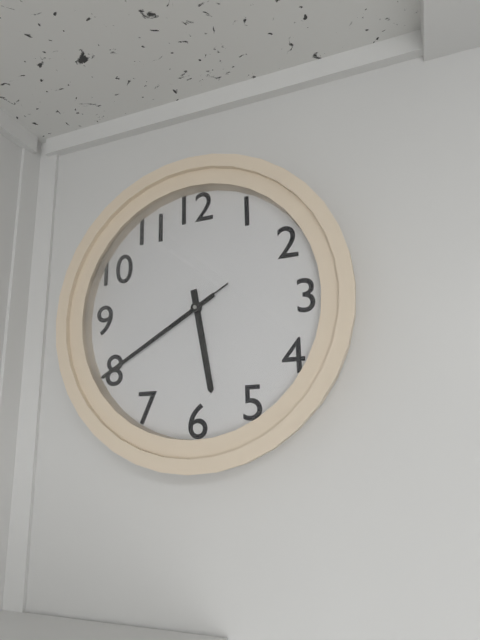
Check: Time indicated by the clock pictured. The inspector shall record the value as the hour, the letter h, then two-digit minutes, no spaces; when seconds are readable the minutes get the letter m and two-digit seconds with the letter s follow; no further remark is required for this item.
5h40m40s
